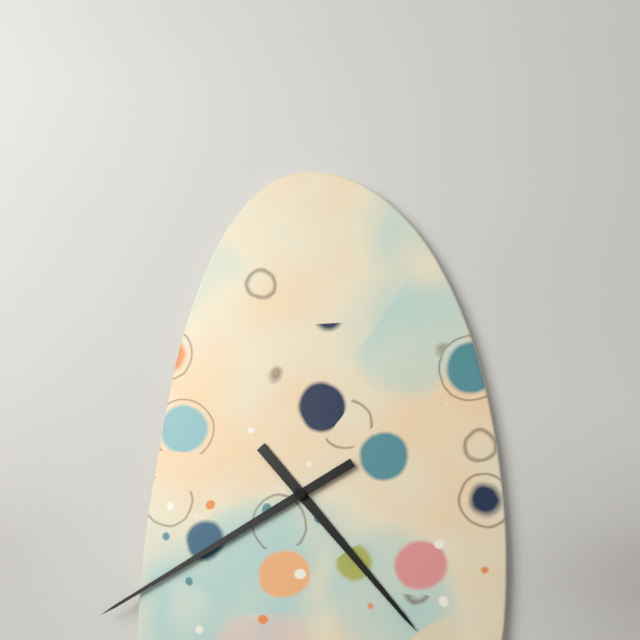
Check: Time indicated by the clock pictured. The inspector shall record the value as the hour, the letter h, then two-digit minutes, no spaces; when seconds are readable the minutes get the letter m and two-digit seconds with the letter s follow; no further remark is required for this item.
4h40
